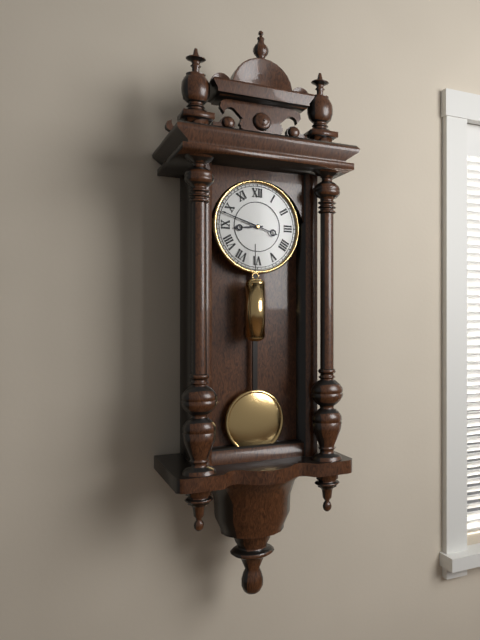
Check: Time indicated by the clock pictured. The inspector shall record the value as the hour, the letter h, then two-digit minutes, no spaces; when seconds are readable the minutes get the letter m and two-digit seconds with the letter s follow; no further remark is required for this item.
8h48
